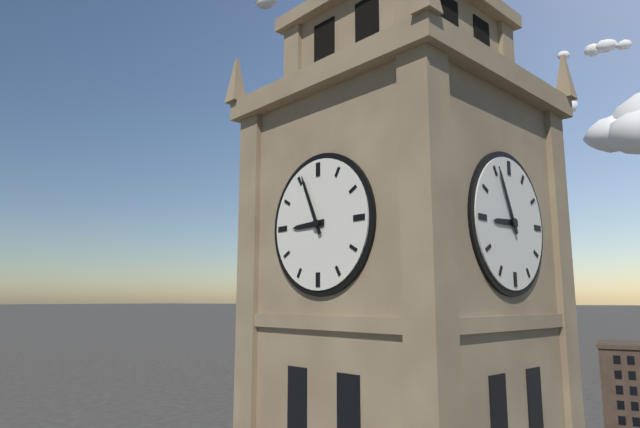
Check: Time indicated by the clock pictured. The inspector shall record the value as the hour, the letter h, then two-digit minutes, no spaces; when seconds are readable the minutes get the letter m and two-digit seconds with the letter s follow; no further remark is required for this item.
8h56
